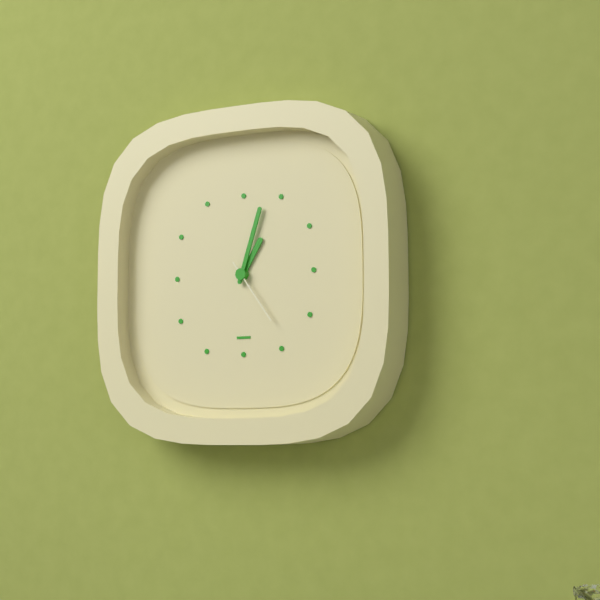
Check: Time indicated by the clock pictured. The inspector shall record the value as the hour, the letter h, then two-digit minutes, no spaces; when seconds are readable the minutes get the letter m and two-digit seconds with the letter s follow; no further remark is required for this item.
1h03m24s
